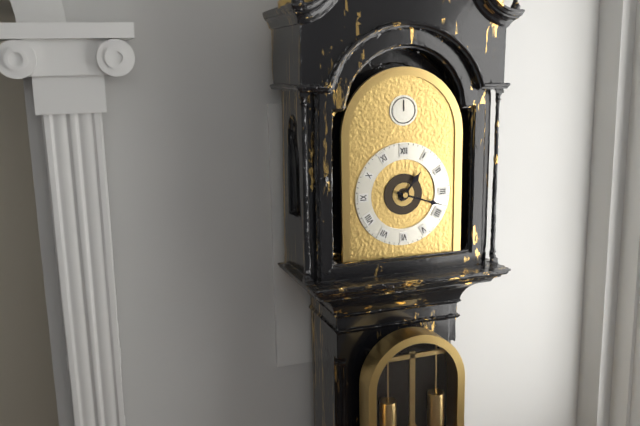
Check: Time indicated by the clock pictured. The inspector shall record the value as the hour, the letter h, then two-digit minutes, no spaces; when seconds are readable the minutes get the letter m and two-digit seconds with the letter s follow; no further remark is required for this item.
1h18
